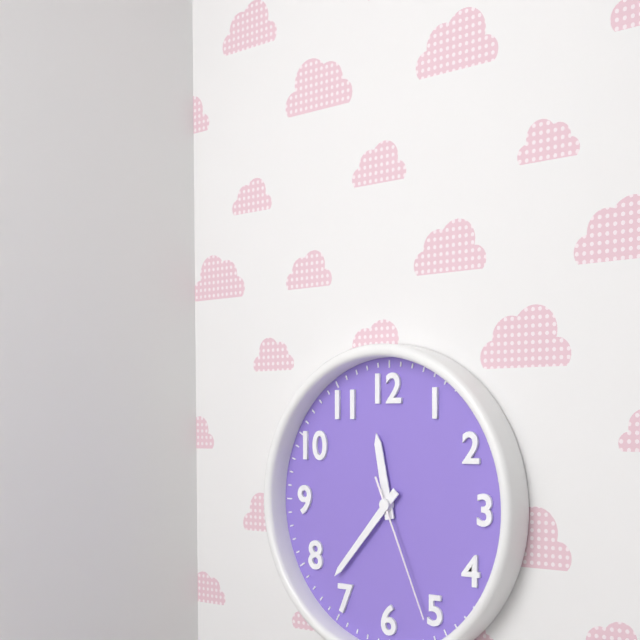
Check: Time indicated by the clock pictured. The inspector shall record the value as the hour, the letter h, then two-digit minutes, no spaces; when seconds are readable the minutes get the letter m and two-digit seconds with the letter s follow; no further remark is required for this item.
11h37m26s
